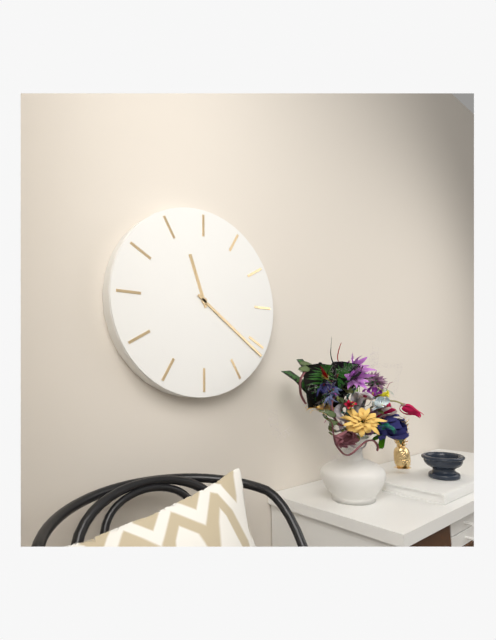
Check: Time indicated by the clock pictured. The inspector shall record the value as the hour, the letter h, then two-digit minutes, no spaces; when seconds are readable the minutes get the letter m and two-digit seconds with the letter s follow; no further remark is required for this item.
11h21
